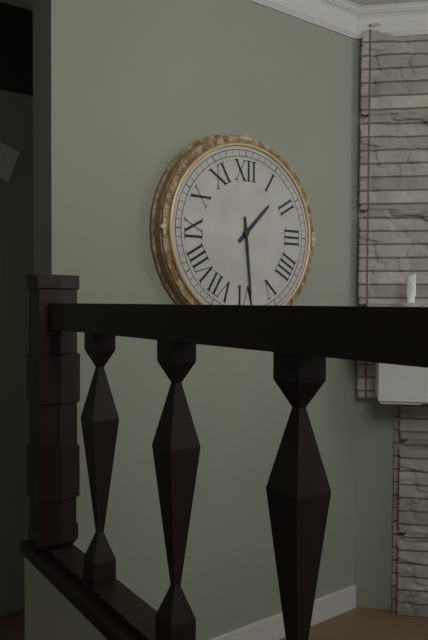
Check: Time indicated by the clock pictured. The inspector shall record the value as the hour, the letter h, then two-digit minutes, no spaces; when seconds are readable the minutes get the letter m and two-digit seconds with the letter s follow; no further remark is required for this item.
1h29
